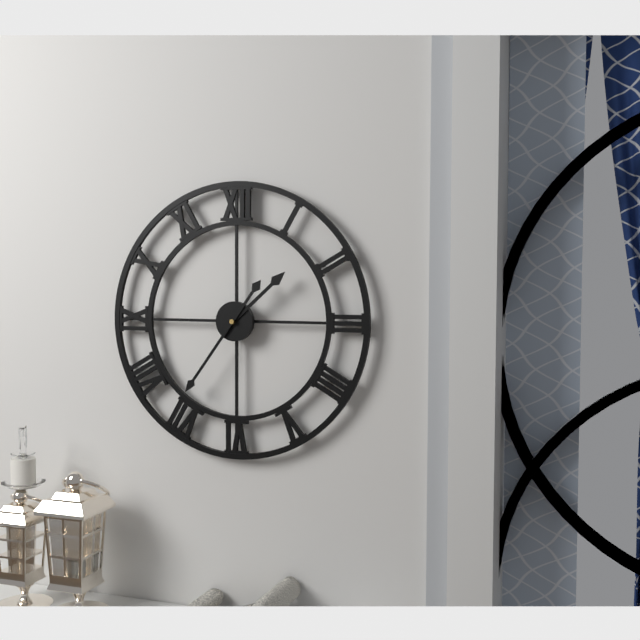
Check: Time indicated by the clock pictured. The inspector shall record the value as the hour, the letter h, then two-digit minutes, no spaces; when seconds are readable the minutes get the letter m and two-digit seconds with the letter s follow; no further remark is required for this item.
1h36
